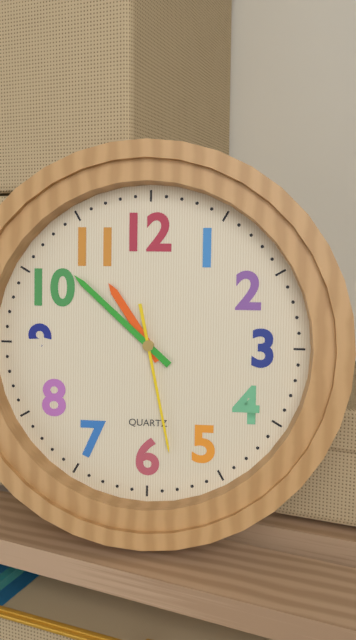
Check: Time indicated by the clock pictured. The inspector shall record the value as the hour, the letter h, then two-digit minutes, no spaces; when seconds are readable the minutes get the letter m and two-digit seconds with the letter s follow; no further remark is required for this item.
10h52m28s
